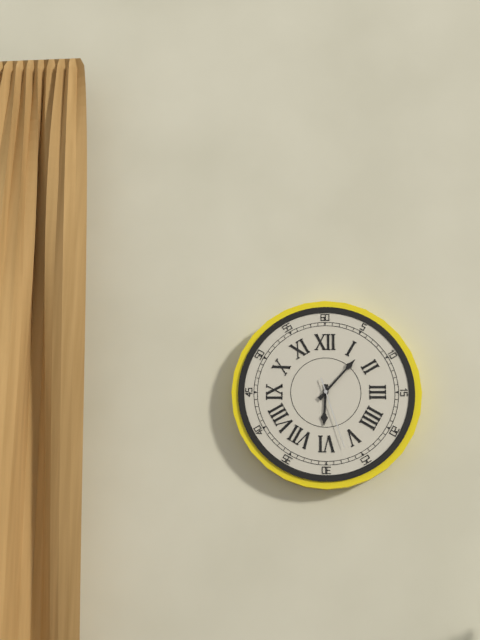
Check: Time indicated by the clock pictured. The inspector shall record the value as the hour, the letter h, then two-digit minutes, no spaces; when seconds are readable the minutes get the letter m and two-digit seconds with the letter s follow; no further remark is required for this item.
6h07m27s
